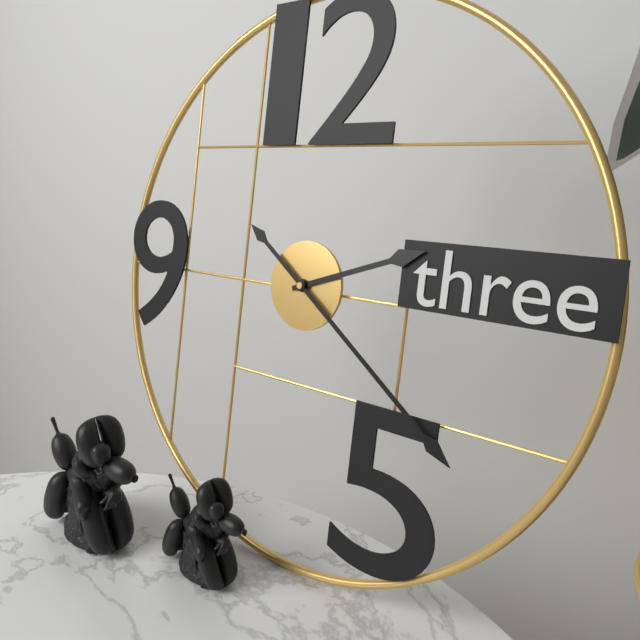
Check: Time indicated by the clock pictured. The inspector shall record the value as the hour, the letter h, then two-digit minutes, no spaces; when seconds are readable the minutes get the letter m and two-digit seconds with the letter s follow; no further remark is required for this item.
2h21
